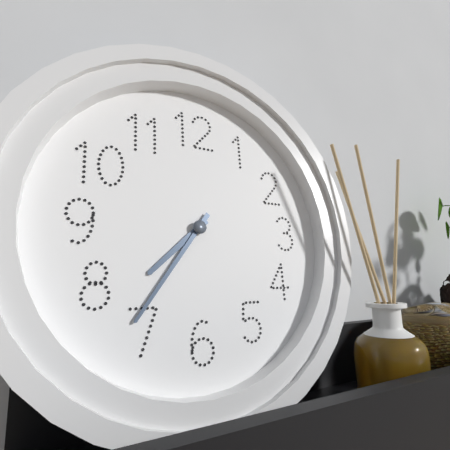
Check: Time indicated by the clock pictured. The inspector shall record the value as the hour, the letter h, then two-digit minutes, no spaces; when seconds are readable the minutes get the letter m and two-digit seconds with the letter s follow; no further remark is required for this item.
7h36
